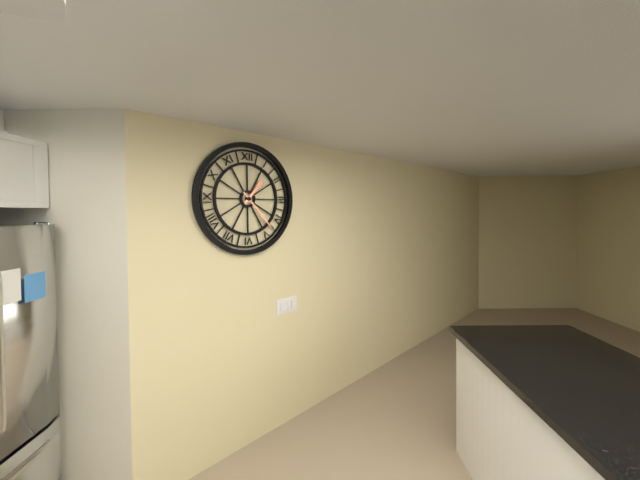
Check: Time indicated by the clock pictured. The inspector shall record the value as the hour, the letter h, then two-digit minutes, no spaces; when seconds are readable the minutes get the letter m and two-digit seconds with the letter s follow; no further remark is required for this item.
1h23
